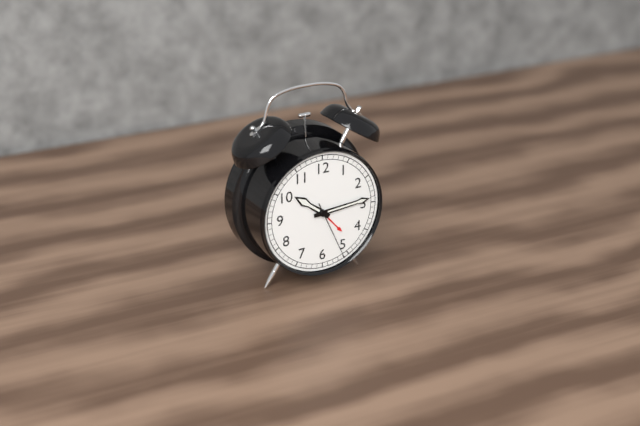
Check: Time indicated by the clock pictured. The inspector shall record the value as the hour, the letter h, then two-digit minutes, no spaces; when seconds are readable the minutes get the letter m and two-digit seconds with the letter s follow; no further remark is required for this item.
10h14m26s
